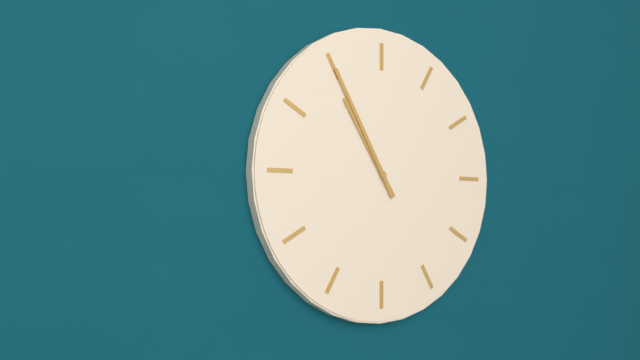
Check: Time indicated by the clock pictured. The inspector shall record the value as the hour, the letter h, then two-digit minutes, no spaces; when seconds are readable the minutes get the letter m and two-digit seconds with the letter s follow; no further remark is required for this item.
10h55
